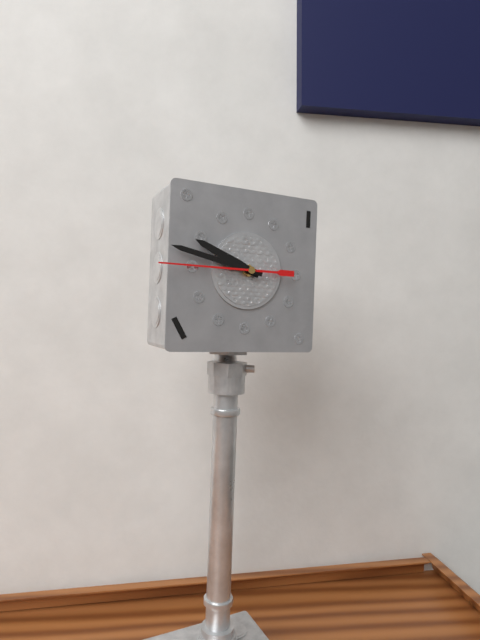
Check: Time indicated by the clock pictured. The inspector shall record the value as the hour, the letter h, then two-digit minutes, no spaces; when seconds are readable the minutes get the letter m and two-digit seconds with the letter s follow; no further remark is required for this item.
9h47m45s
